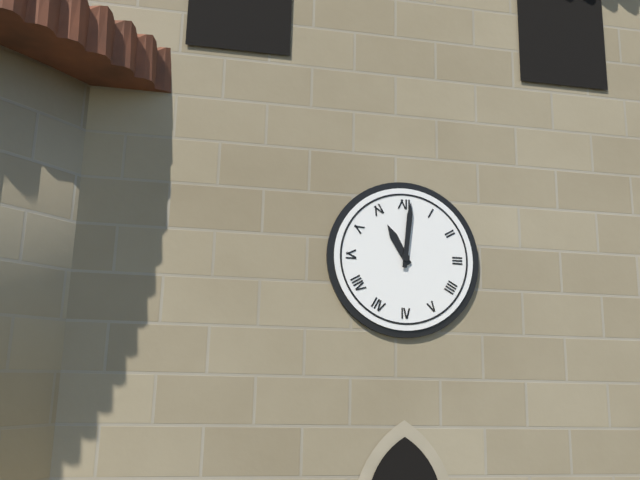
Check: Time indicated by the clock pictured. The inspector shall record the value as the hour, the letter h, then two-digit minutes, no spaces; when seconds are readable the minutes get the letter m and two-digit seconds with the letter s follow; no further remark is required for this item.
11h01
